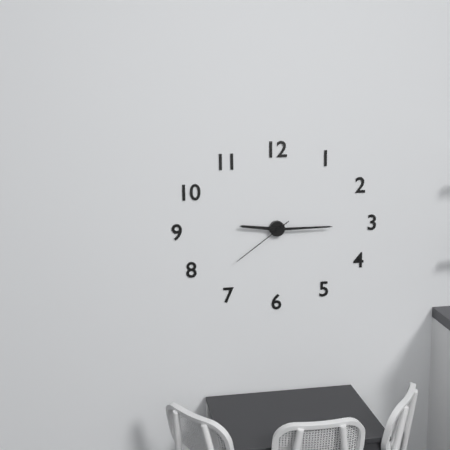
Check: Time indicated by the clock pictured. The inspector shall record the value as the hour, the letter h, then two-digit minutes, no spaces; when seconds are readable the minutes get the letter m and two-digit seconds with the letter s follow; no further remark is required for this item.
9h15m39s
